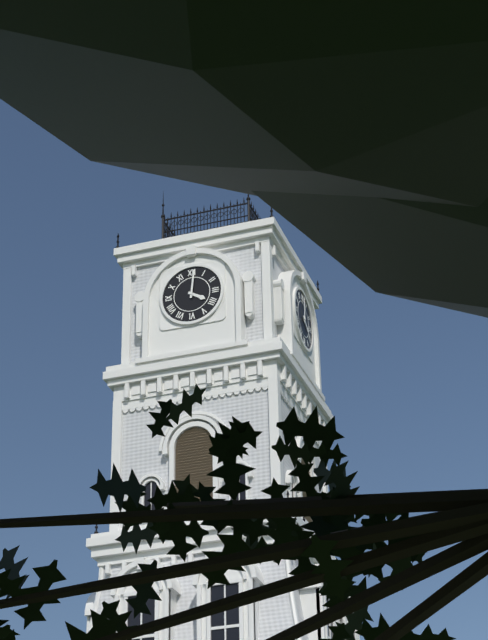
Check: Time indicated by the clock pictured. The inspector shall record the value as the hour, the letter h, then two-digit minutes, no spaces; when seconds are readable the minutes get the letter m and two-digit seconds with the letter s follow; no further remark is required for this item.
4h01
